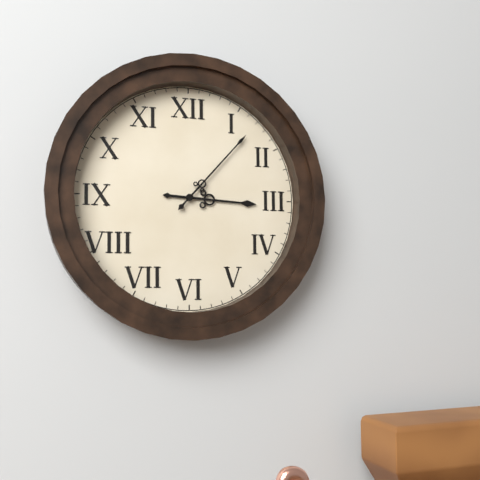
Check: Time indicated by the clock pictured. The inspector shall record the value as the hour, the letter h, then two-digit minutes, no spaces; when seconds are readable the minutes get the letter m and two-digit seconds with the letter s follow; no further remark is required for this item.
3h07
